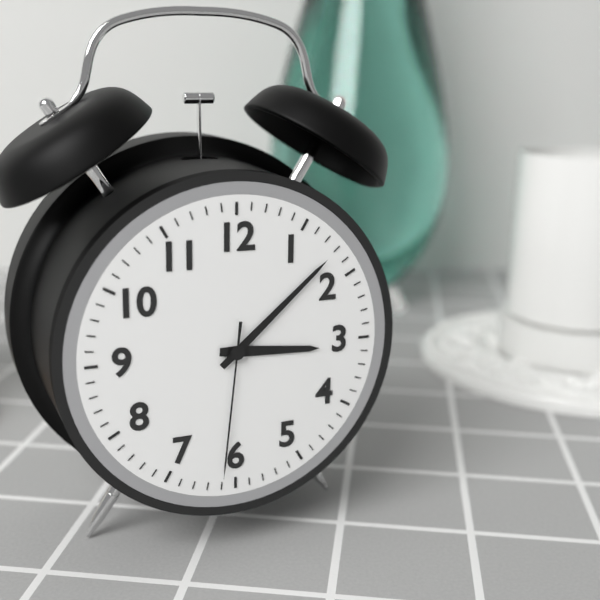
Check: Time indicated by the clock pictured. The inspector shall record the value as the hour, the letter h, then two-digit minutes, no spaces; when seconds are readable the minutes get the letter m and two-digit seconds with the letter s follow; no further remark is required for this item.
3h08m31s
